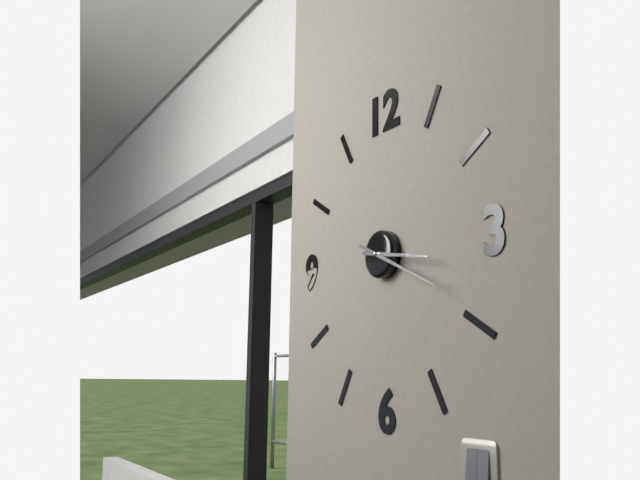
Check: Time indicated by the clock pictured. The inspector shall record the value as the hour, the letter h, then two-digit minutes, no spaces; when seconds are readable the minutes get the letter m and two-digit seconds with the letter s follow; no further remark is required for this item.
3h19
